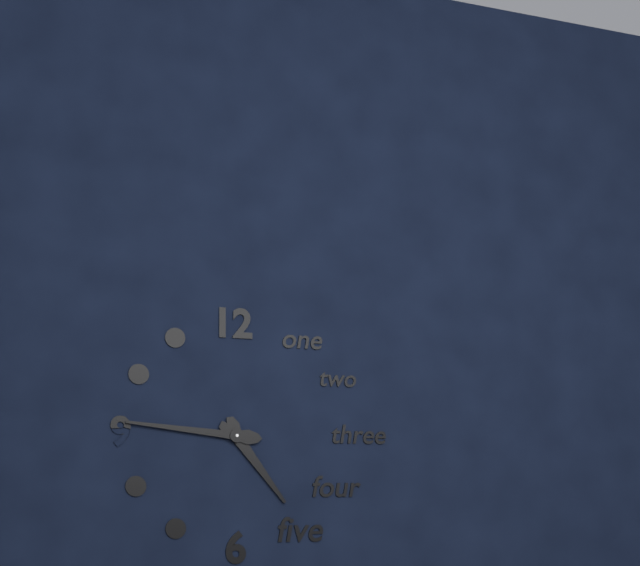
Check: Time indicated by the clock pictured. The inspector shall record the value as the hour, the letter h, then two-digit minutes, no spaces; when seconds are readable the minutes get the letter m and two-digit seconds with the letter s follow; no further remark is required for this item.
4h46
